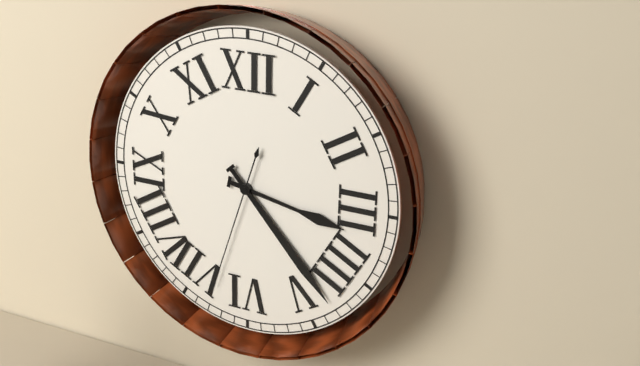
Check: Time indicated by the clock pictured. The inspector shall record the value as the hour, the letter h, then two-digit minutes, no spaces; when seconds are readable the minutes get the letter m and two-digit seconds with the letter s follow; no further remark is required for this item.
3h23m33s
